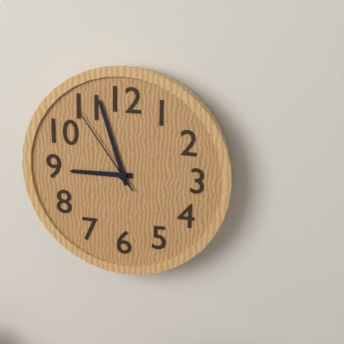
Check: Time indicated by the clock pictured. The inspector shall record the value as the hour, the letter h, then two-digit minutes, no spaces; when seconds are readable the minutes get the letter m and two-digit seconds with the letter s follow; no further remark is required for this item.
8h57m54s
